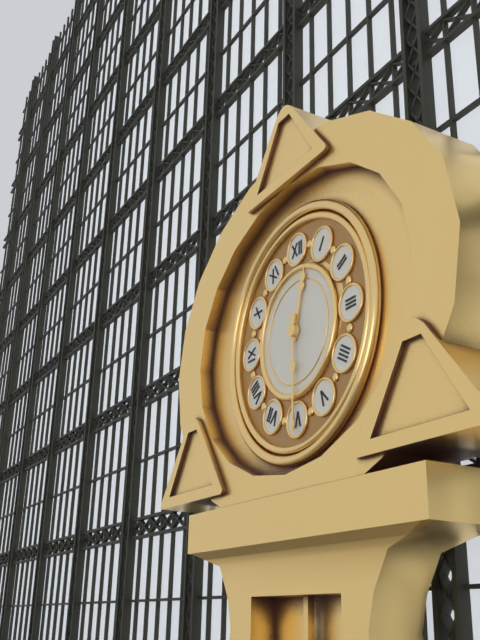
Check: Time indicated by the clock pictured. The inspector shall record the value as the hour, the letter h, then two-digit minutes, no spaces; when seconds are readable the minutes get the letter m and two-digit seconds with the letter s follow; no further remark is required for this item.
12h30
